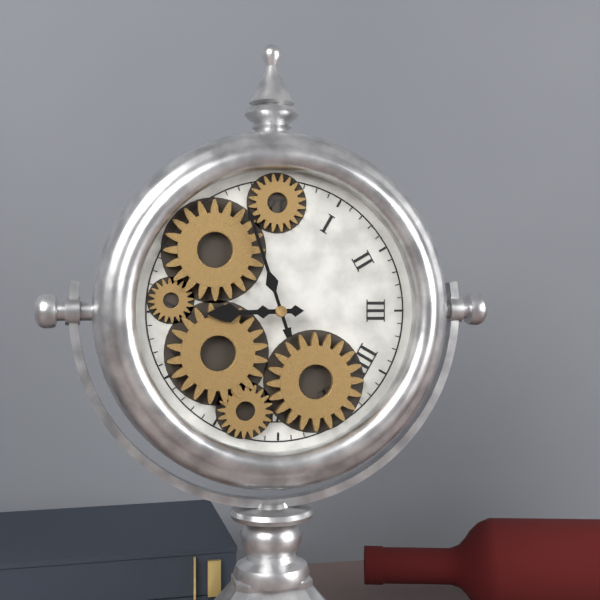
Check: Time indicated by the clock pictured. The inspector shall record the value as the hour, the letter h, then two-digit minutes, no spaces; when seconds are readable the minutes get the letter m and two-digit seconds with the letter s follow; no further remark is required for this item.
8h57
